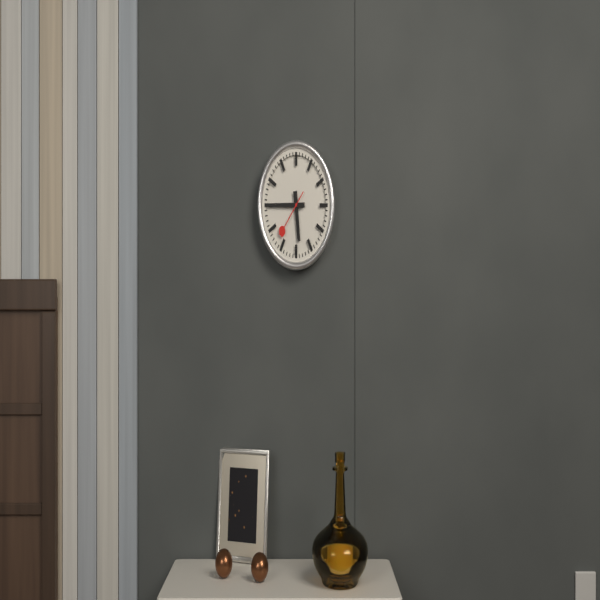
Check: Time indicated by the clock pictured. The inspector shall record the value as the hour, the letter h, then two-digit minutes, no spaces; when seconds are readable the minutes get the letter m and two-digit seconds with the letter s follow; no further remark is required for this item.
5h45
